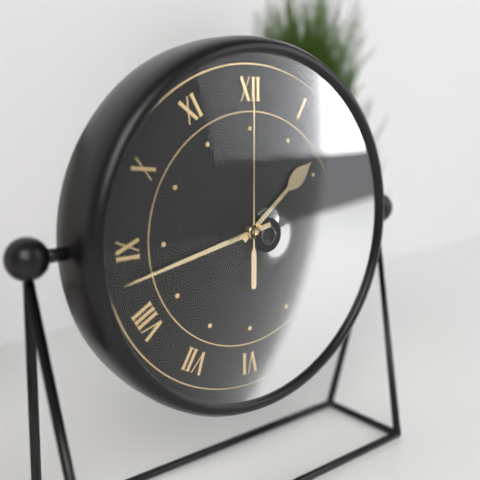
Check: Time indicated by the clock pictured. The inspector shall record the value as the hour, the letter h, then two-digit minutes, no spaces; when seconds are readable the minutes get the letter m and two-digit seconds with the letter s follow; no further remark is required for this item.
1h43m00s
